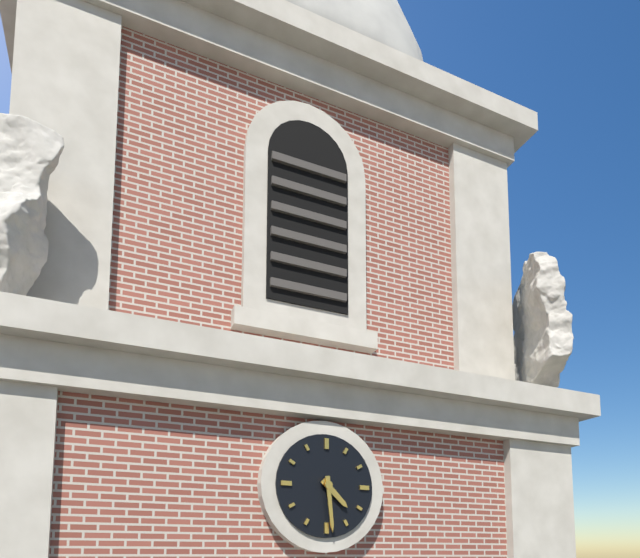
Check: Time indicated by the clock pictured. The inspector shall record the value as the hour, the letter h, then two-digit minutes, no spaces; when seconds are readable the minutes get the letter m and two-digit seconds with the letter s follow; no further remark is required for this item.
4h29
